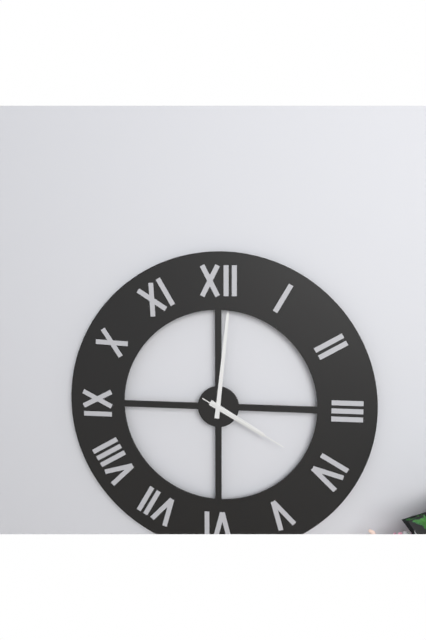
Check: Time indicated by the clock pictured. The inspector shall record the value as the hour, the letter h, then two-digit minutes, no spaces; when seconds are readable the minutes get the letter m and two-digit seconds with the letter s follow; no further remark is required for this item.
4h01m20s
